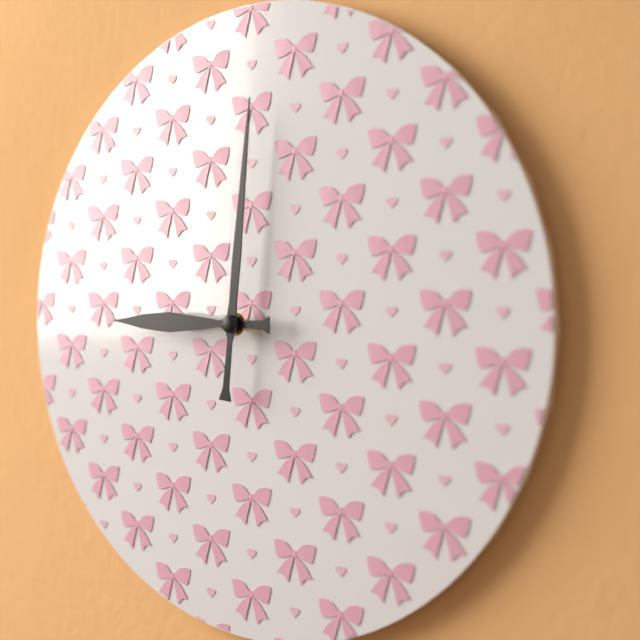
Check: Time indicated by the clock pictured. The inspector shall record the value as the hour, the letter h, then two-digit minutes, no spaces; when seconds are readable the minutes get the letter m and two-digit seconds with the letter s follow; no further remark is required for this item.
9h01
